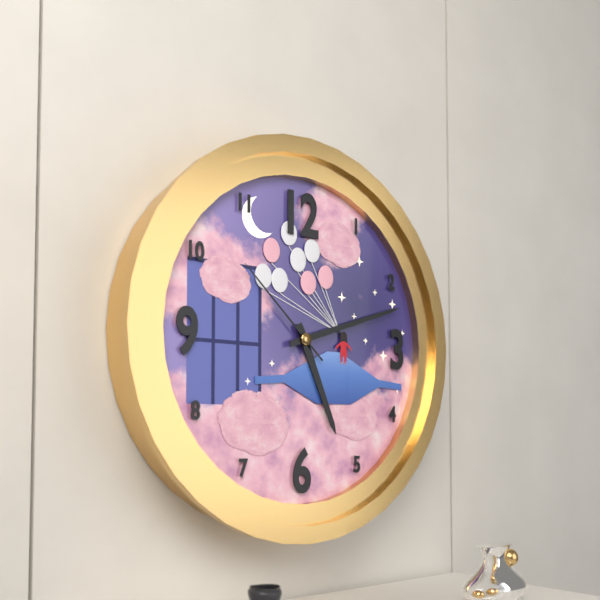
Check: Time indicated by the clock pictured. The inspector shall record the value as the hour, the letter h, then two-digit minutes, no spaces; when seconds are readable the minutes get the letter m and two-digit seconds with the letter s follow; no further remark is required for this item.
5h12m52s
